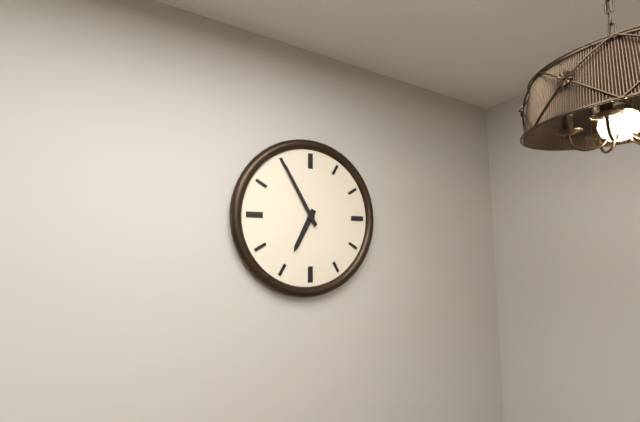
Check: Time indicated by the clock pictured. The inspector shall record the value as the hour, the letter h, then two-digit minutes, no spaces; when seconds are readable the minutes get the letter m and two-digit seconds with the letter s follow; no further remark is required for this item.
6h55
